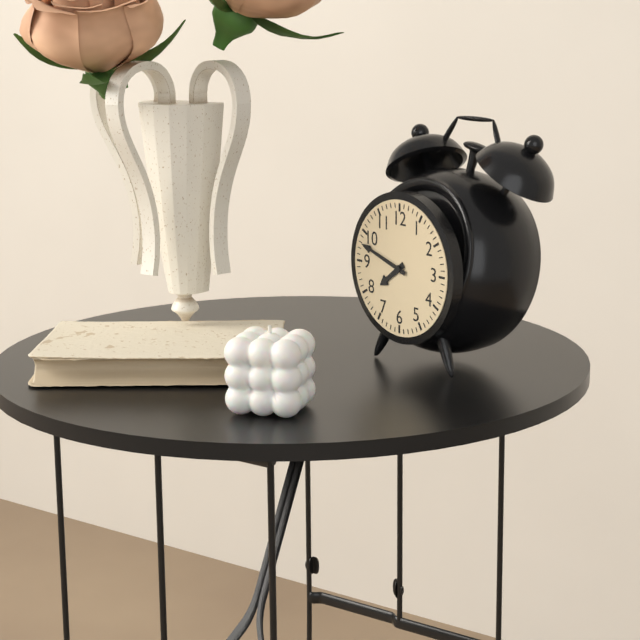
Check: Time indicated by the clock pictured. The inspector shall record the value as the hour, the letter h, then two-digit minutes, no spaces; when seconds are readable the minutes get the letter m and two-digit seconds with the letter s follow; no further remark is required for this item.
7h48
